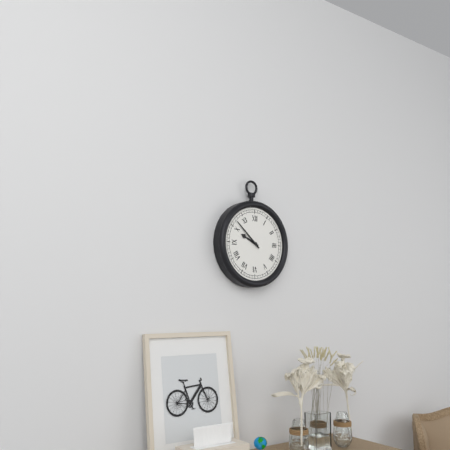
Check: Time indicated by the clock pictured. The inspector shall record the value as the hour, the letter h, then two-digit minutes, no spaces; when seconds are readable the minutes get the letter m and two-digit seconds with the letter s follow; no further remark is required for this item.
9h52
